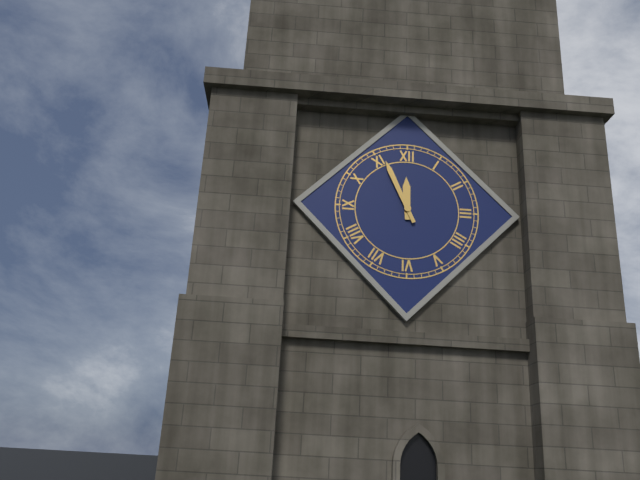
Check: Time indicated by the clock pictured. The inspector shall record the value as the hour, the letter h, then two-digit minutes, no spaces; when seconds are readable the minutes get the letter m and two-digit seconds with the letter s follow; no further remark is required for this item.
11h56
